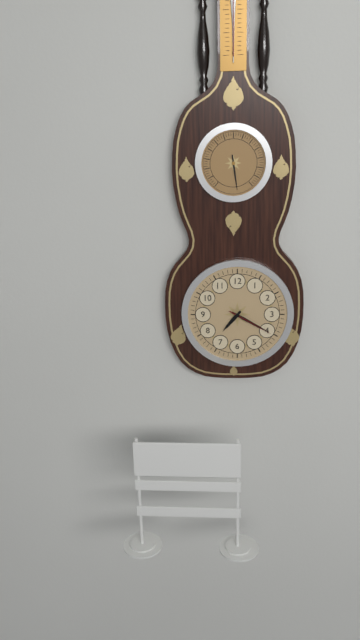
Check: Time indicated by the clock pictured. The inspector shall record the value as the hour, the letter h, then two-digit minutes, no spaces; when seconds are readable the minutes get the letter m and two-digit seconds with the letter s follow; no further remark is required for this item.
7h20
